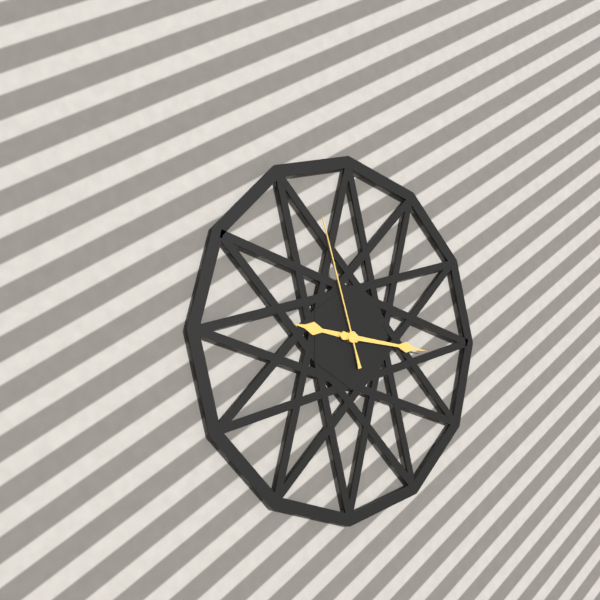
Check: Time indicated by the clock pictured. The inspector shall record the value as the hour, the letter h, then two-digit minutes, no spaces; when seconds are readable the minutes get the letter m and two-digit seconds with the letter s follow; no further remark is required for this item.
9h16m57s
